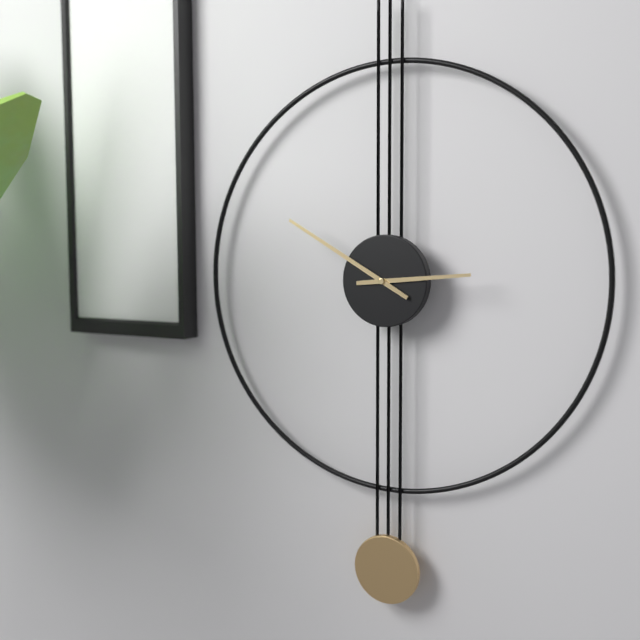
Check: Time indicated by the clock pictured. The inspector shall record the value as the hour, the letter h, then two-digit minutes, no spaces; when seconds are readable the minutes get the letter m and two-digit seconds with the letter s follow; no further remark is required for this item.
2h50
